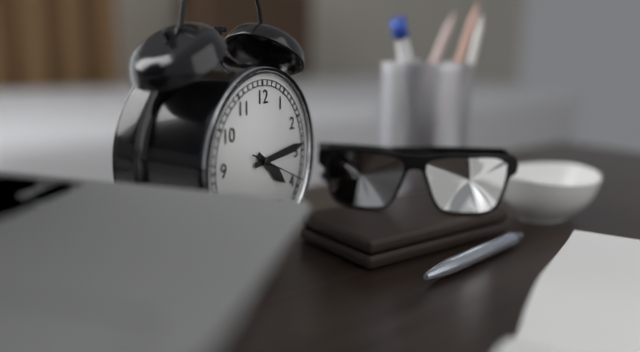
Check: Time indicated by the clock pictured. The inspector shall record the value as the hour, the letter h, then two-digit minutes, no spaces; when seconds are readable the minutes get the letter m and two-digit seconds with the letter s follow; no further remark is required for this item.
4h14m19s
